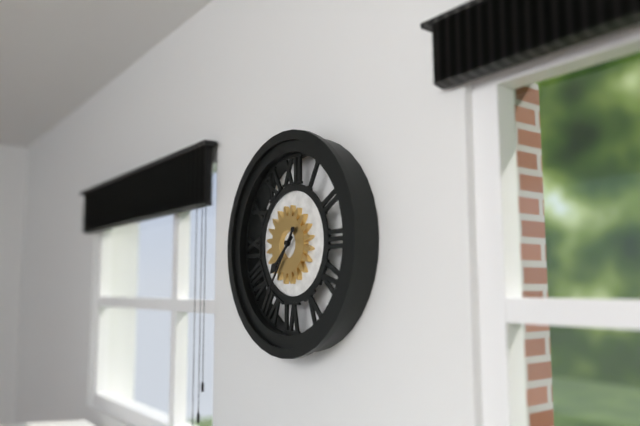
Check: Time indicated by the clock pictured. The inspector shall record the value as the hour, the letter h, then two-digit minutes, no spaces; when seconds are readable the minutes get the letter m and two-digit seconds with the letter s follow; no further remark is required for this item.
7h36
